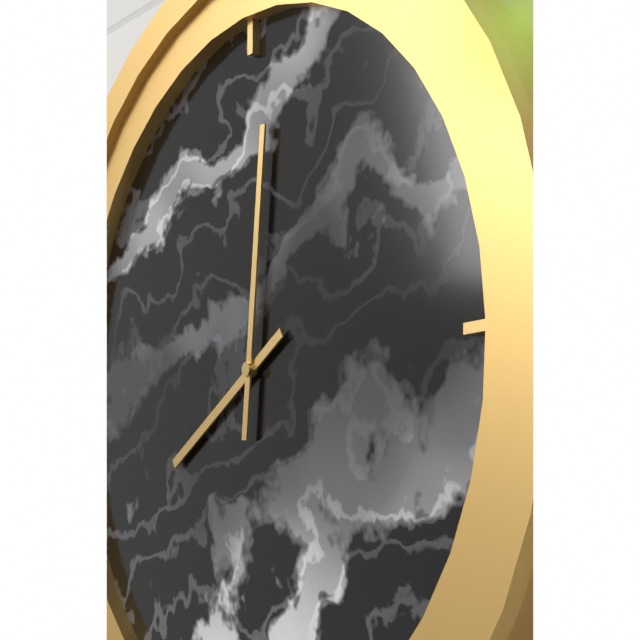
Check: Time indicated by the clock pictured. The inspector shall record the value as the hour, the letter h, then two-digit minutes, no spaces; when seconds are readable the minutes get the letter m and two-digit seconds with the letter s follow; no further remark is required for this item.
8h01
